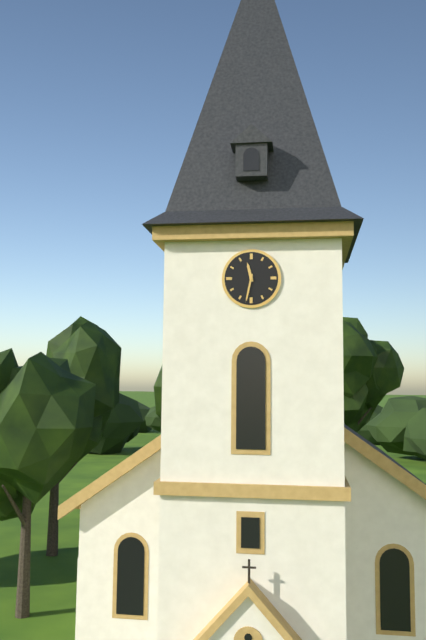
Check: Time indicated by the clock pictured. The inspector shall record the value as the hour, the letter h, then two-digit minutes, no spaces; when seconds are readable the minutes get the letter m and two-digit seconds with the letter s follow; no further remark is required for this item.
11h32
